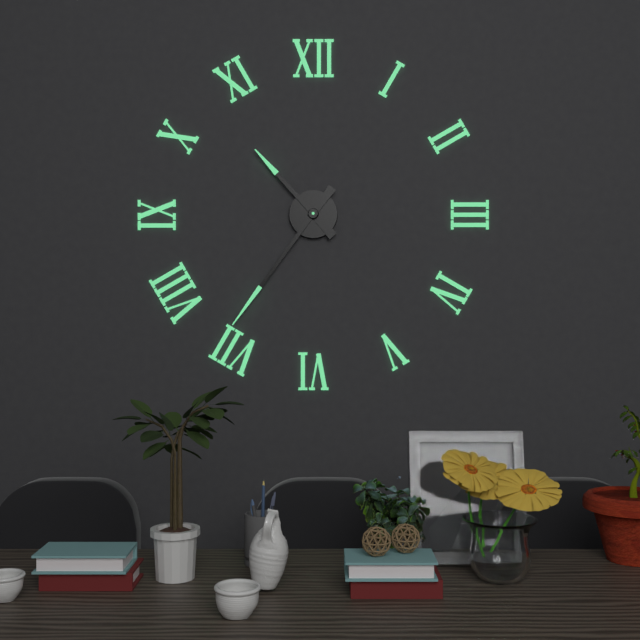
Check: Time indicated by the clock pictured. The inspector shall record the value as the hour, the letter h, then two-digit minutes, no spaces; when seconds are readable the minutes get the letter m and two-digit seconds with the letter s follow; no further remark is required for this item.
10h36
